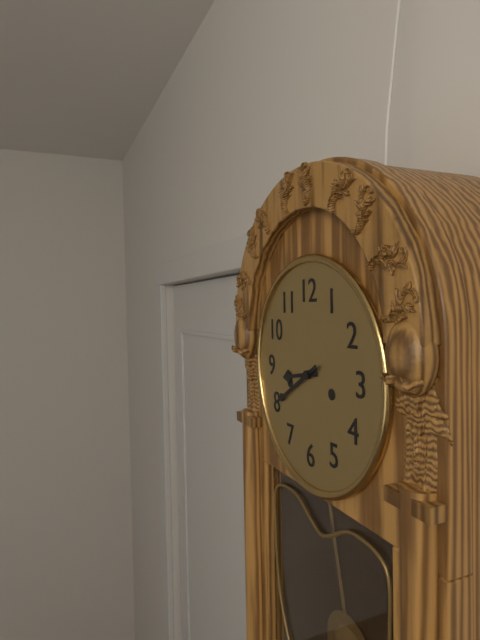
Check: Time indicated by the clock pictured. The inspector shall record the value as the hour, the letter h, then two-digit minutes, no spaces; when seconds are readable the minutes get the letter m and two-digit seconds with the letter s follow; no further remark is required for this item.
8h40
